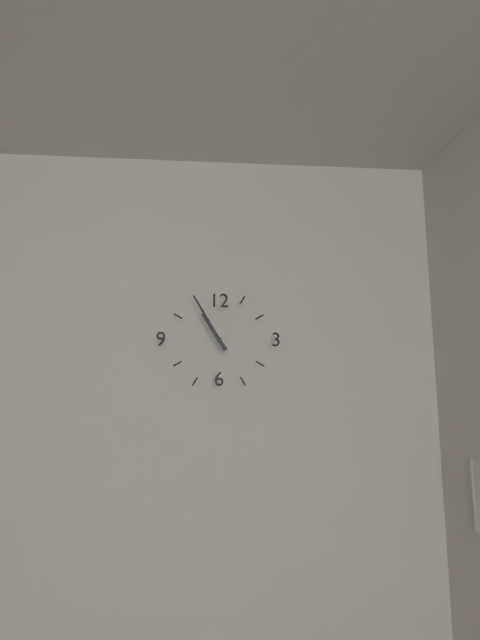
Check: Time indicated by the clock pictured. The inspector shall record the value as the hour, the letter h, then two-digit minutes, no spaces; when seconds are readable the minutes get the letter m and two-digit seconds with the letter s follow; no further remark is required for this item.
10h55
